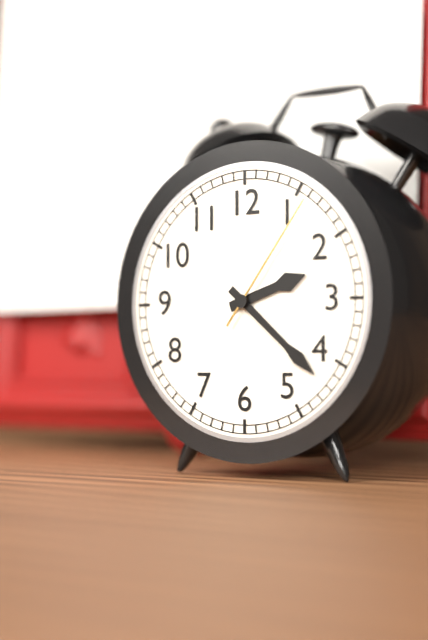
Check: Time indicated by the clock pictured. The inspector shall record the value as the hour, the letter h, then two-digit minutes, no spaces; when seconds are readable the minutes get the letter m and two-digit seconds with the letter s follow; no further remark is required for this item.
2h22m06s
